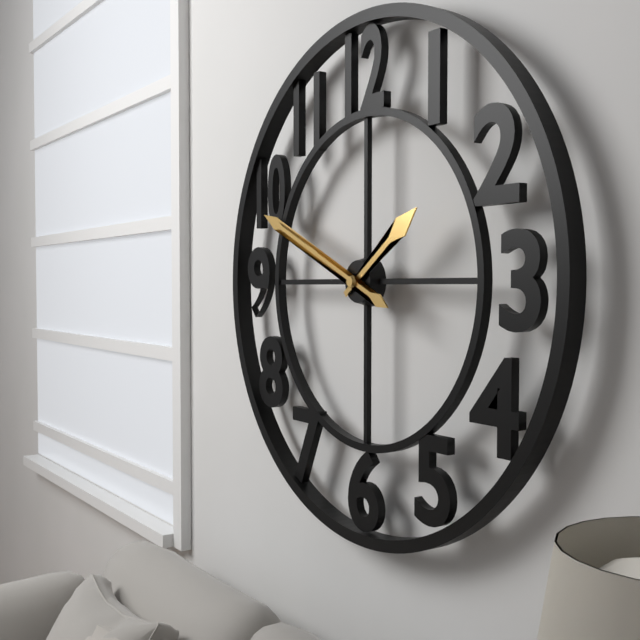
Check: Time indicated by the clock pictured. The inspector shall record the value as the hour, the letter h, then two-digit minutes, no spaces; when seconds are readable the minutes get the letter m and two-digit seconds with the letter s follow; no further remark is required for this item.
1h49
